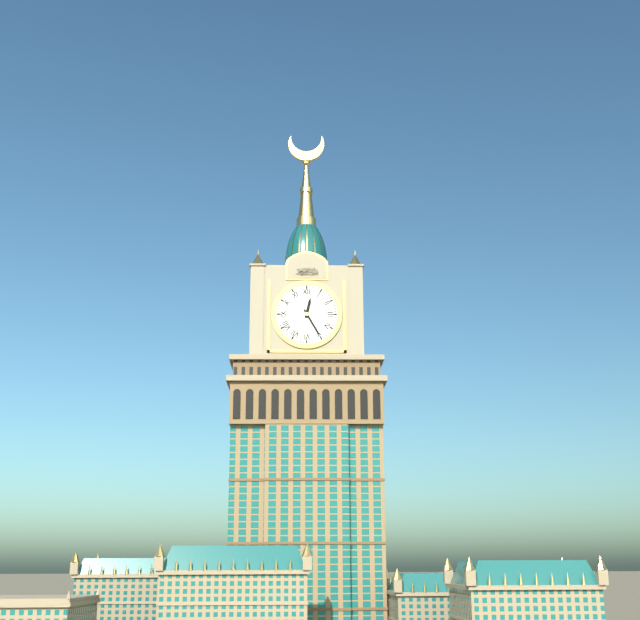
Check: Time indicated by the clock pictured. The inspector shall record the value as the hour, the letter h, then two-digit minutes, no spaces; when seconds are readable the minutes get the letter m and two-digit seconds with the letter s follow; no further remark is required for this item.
12h25
